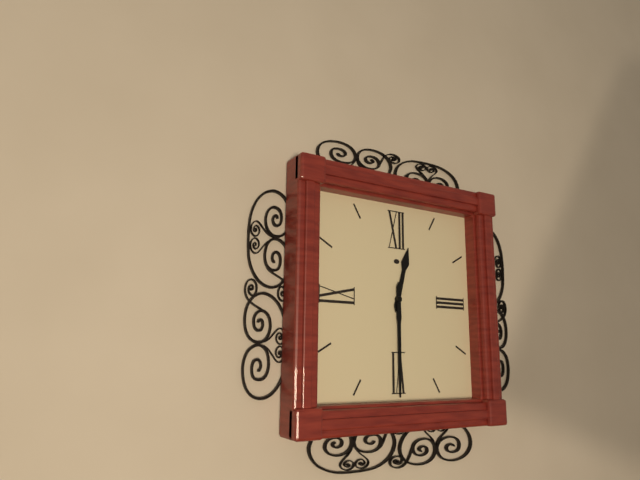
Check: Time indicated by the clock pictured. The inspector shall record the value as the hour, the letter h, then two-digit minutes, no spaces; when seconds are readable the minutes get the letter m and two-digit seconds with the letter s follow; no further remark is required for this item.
12h30
